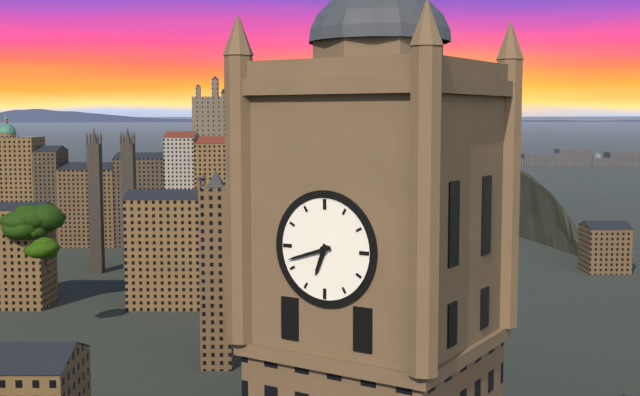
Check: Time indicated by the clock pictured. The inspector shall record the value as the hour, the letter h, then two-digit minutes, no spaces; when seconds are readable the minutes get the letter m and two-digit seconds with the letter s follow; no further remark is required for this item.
6h42
